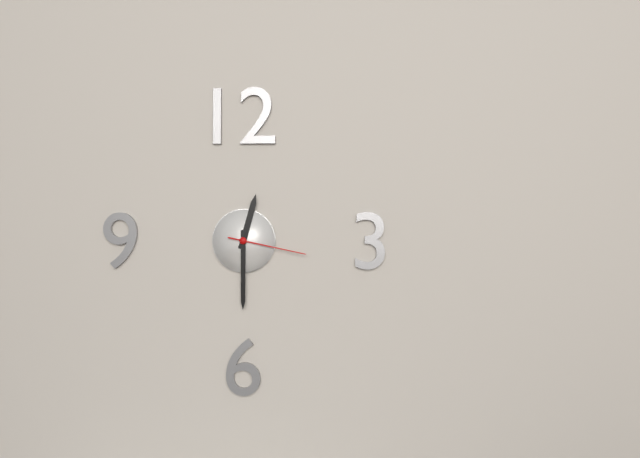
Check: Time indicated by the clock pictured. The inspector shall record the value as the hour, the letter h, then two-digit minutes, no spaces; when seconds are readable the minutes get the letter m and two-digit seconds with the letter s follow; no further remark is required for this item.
12h30m17s
